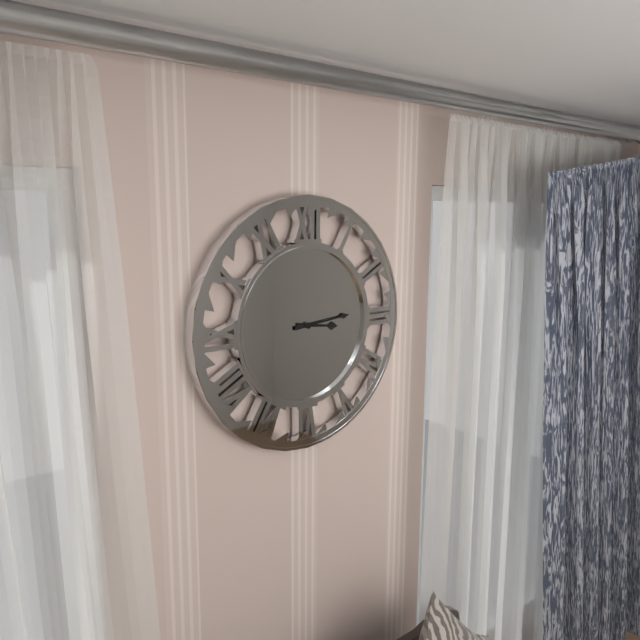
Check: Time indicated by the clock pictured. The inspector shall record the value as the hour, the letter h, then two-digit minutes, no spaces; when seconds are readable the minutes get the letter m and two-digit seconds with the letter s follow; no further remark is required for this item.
3h14
